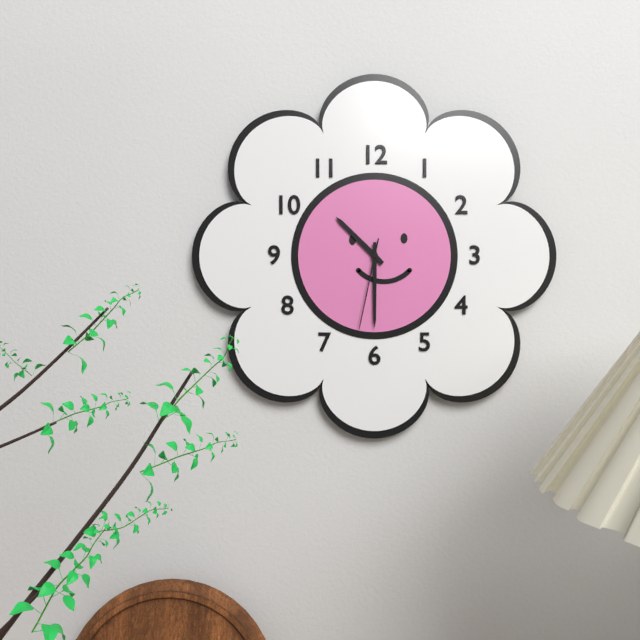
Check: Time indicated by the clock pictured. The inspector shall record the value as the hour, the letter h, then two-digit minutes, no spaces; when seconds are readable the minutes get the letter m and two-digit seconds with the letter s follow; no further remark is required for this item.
10h30m32s
